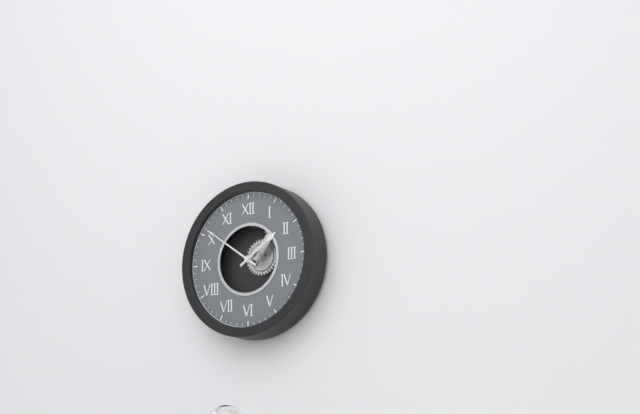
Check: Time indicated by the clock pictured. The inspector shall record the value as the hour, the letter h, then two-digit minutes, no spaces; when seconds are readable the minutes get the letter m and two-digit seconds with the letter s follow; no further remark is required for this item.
1h51
